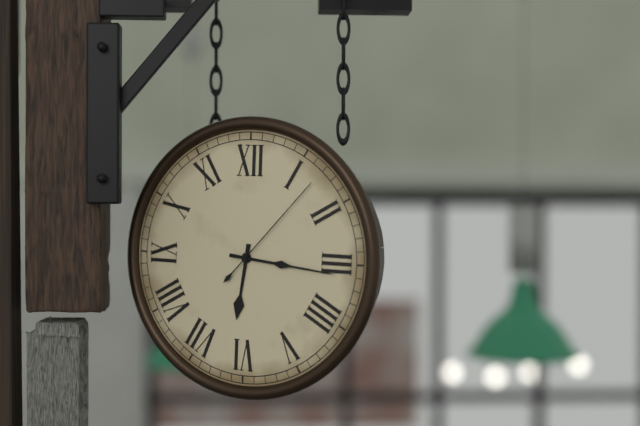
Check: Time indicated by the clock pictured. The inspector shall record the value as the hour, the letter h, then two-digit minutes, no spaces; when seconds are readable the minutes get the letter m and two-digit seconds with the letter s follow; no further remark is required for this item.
6h16m07s
